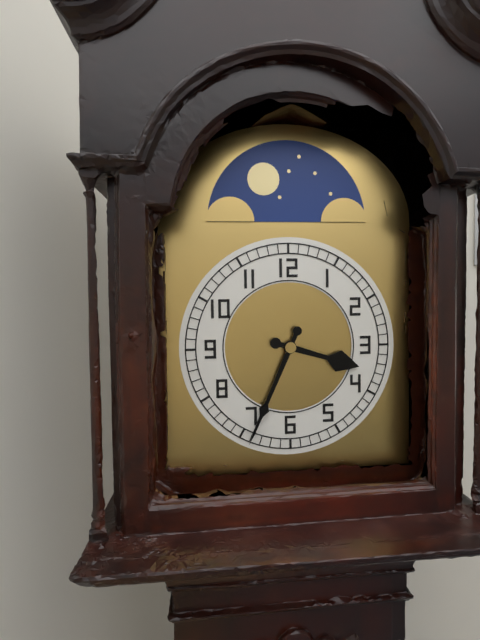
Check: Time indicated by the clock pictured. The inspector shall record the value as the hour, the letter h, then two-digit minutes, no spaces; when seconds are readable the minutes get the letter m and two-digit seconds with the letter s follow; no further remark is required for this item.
3h34
